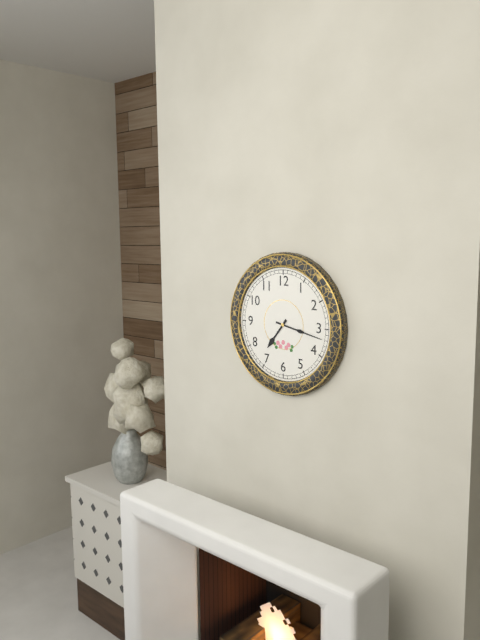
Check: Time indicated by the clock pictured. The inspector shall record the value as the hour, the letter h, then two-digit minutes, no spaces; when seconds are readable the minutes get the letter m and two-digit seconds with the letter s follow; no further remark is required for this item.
7h17
